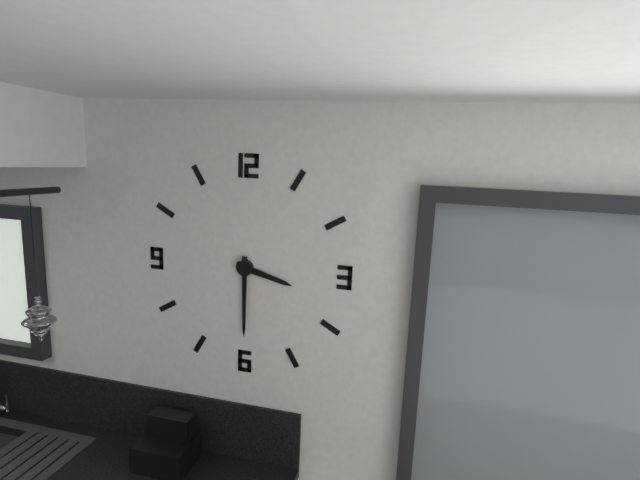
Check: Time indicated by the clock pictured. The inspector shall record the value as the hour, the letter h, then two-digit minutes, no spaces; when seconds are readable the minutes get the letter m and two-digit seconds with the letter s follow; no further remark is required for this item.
3h30
